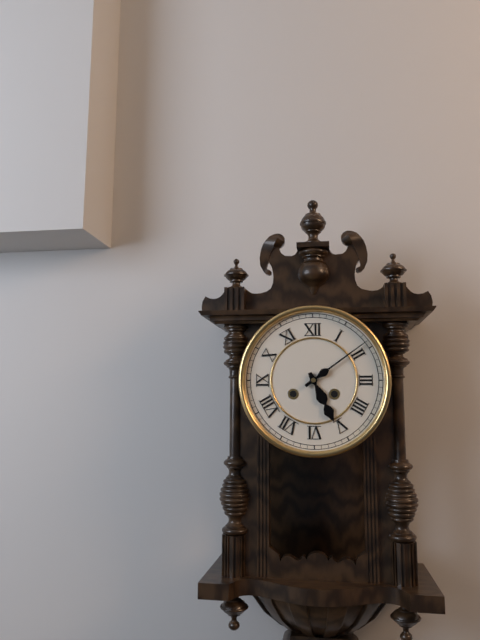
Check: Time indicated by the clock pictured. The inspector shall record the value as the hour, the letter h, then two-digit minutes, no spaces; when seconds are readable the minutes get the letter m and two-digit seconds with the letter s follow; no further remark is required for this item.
5h09
